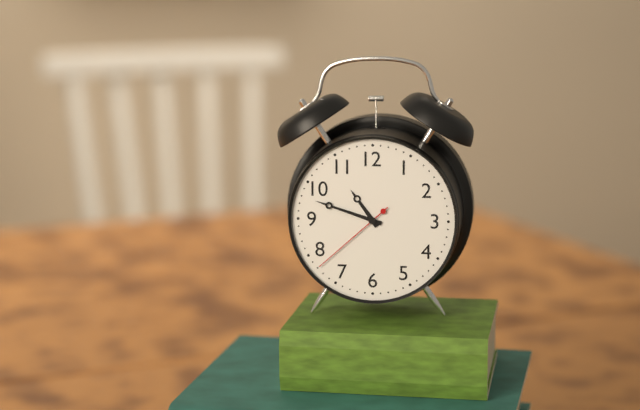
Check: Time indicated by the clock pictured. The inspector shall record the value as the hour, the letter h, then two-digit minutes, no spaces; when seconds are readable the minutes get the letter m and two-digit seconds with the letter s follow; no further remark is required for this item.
10h48m38s
